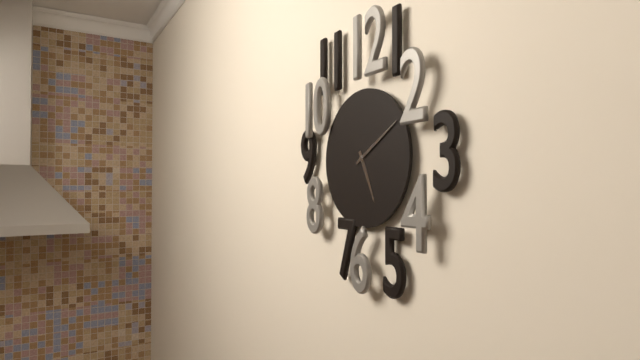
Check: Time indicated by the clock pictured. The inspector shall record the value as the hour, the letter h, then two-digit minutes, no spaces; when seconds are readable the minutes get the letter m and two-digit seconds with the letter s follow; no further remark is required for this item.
5h10
